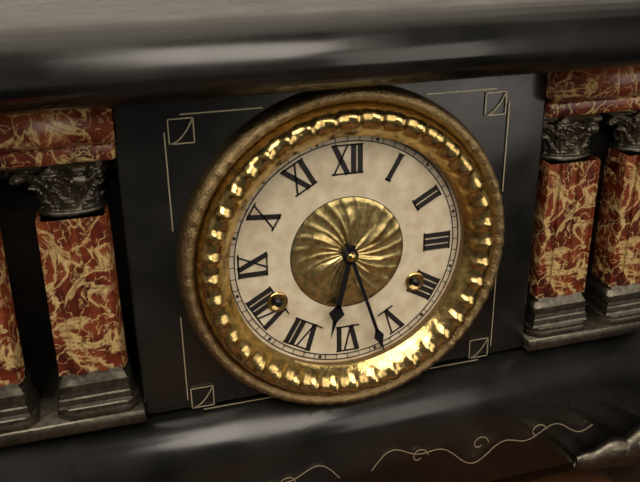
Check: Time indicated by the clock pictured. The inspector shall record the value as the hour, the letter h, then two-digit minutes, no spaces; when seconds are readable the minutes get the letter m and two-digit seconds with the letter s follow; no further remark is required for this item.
6h27
